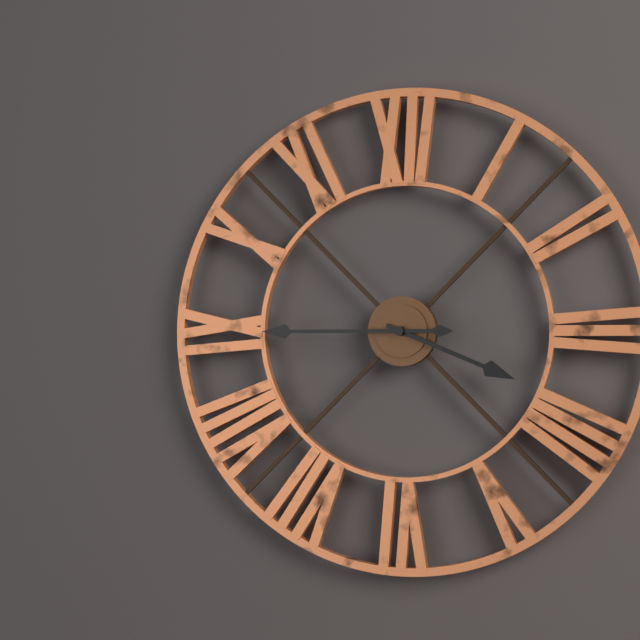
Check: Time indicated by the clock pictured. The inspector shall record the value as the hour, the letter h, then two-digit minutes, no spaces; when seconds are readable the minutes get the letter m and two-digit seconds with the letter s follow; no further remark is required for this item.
3h45
